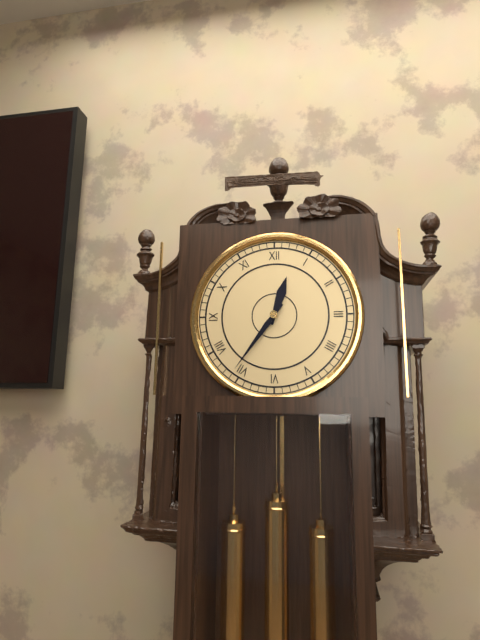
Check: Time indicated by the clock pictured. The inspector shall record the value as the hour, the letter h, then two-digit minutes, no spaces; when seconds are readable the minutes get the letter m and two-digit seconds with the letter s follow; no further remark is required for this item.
12h36
